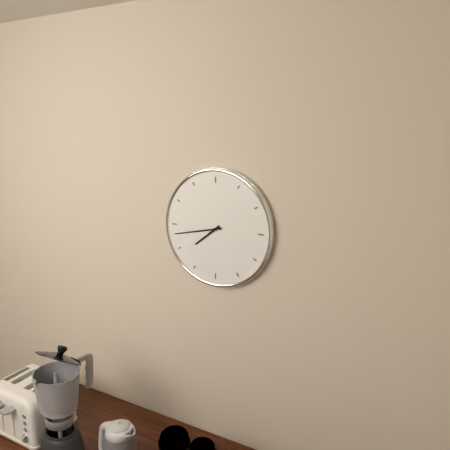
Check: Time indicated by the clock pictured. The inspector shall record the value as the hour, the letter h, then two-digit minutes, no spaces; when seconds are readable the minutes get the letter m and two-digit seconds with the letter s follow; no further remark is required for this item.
7h43
